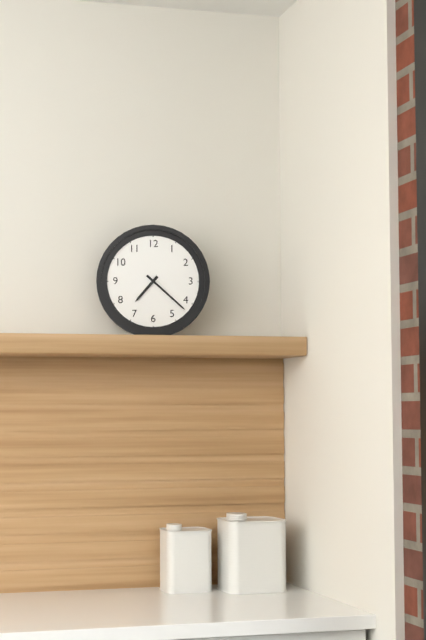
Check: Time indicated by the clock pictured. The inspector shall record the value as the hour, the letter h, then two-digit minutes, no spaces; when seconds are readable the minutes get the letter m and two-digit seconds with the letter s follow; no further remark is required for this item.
7h22
